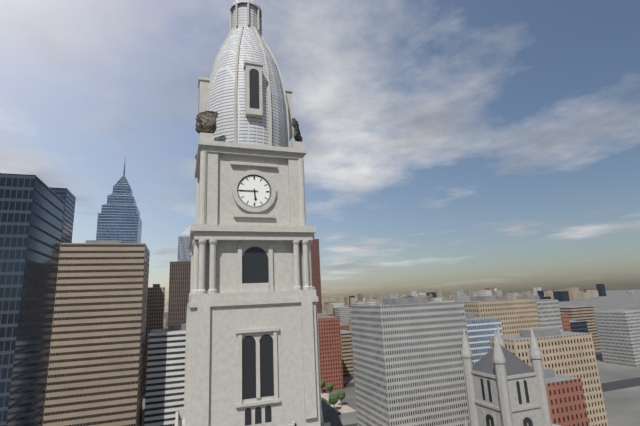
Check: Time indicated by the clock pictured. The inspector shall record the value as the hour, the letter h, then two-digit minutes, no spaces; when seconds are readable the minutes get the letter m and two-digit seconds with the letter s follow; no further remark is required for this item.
5h45
